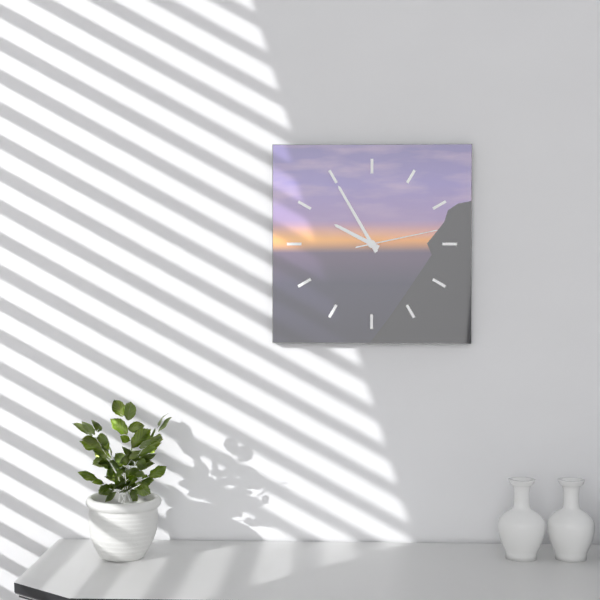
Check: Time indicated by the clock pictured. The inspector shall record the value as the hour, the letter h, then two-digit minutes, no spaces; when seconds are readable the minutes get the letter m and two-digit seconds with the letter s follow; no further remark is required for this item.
9h55m13s
